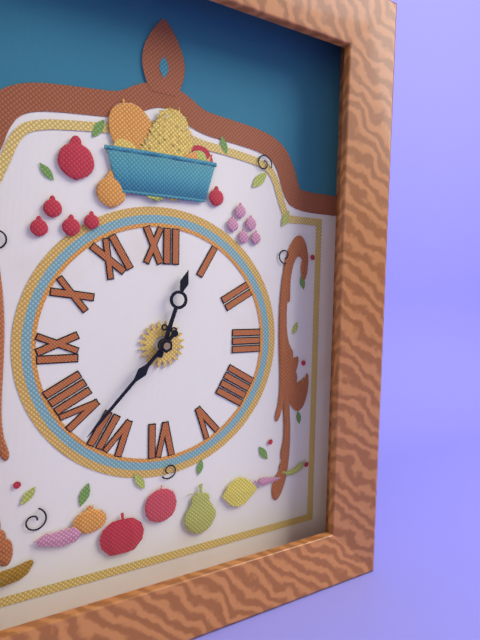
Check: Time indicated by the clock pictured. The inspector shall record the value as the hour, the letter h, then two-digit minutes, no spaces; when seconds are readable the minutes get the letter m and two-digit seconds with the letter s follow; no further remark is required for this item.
12h37
